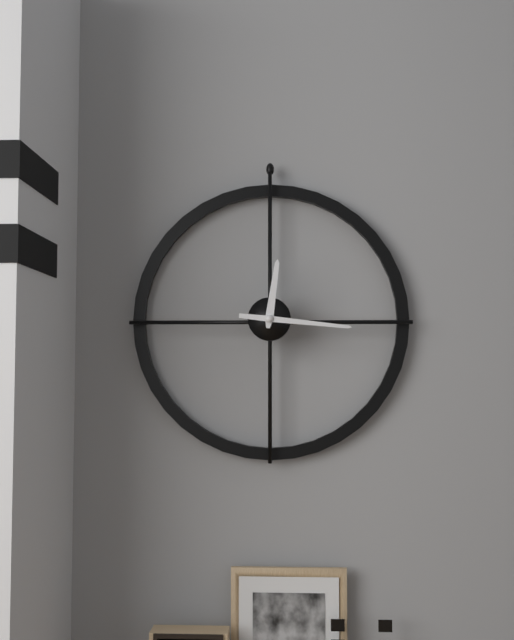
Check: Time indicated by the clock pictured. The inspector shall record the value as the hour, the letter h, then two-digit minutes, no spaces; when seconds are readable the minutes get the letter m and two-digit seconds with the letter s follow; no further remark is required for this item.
12h16
